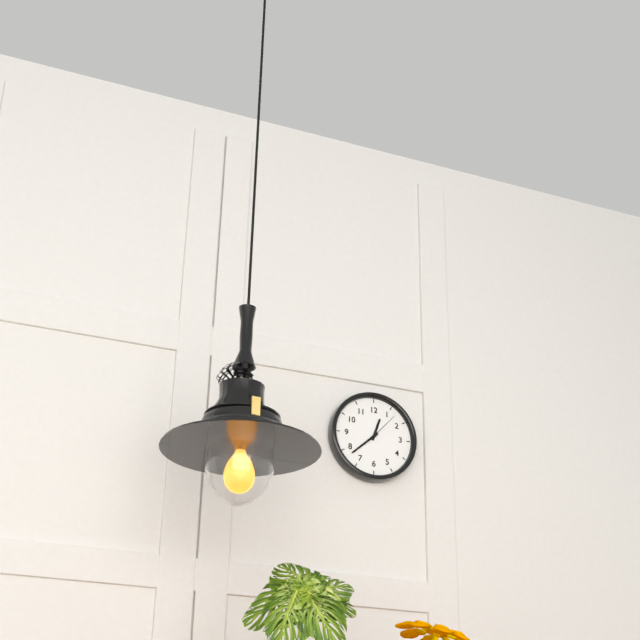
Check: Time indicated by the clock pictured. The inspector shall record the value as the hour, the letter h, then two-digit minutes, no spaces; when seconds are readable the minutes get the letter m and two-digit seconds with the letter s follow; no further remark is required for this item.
12h38
